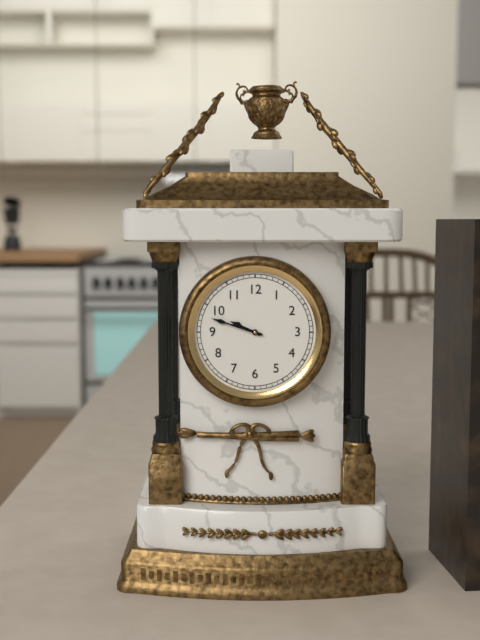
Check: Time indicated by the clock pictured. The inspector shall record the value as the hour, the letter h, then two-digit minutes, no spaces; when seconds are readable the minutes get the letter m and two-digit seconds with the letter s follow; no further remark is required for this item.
9h48
